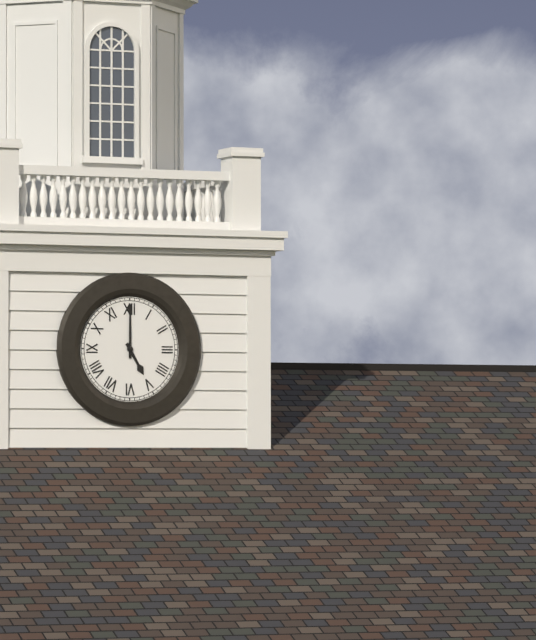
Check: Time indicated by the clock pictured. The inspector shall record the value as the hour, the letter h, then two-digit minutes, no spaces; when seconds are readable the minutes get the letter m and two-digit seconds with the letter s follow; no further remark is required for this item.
5h00
